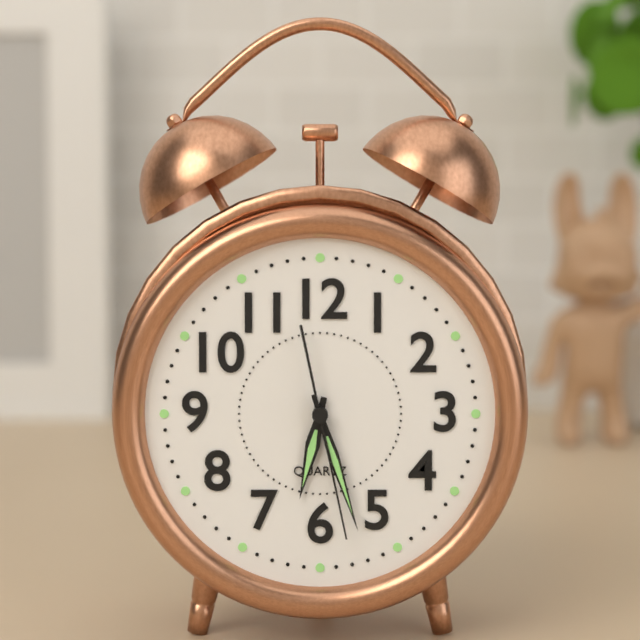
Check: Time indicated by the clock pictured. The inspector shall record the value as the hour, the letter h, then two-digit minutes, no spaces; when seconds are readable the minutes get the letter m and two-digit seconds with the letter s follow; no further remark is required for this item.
6h27m28s
